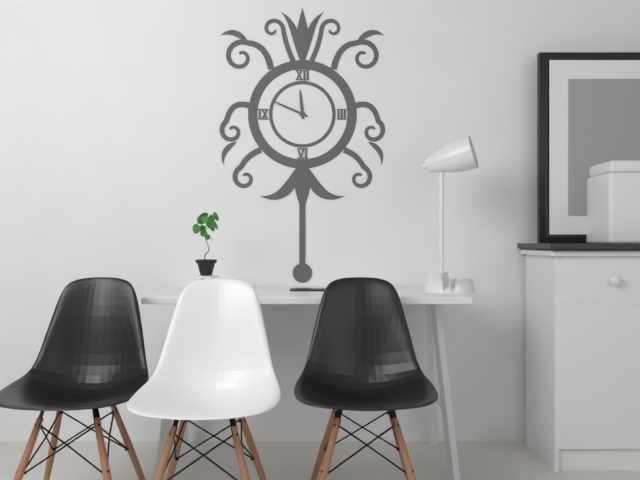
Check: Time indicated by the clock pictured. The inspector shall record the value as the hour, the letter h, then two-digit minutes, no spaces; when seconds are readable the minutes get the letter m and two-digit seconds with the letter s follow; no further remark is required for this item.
11h49
